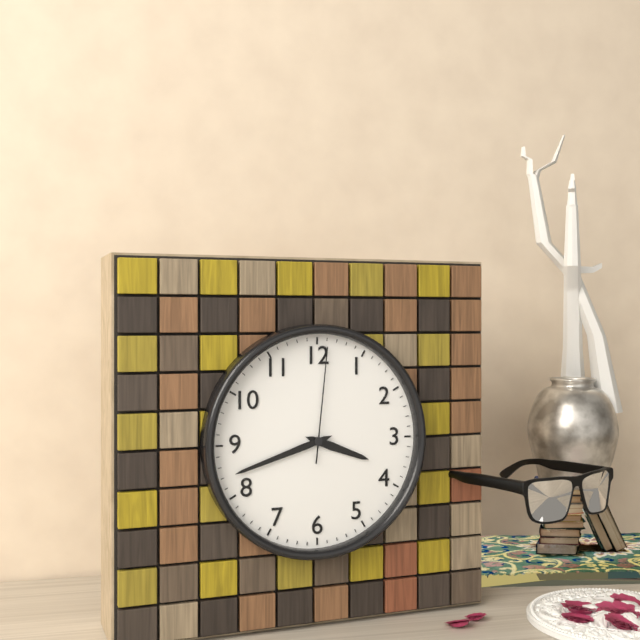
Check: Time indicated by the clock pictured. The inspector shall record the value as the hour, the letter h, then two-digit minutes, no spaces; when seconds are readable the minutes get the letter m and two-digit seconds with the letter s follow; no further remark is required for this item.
3h42m01s
